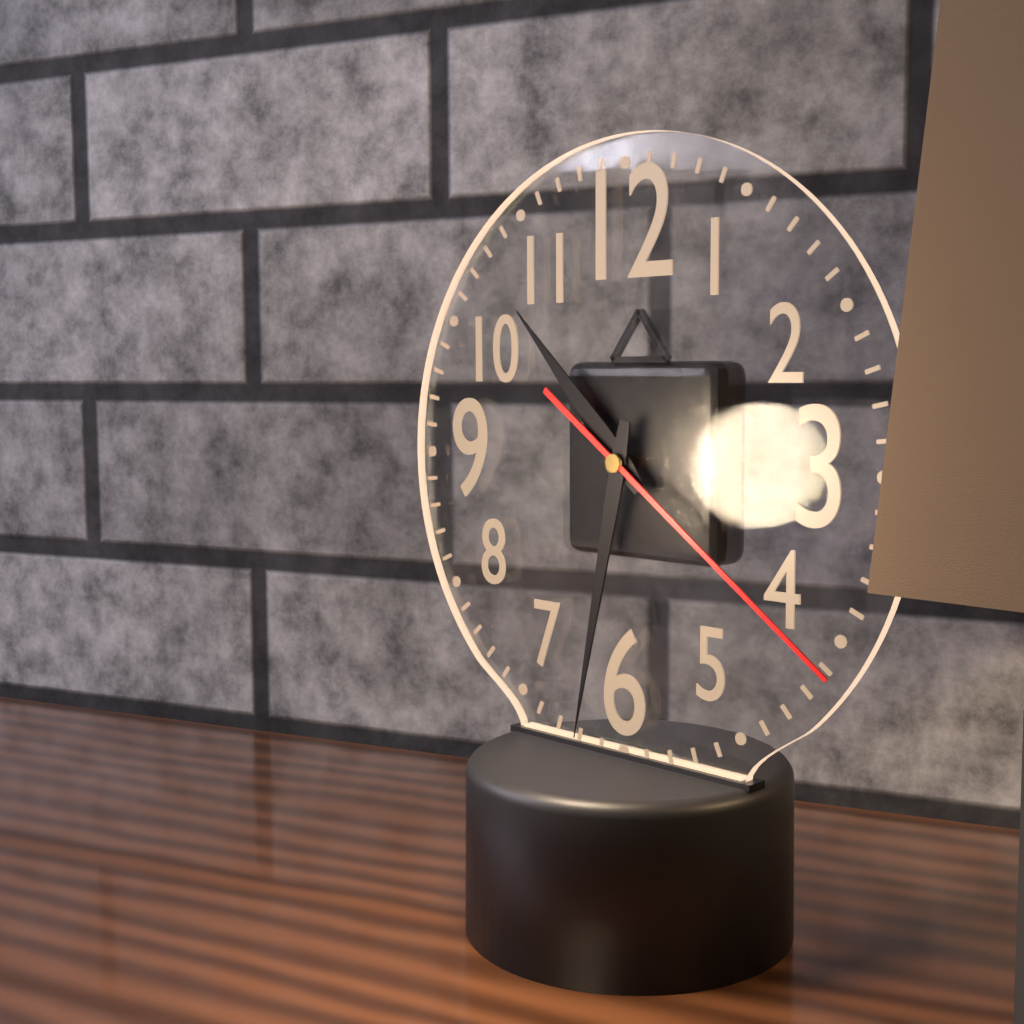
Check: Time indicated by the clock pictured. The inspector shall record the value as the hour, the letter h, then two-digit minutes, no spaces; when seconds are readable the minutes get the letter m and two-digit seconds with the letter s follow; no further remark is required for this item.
10h32m21s
